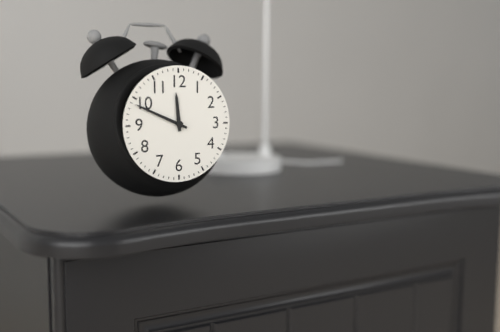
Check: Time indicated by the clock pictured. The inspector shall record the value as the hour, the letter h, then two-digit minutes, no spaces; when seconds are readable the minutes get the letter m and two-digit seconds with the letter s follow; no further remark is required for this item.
11h49
